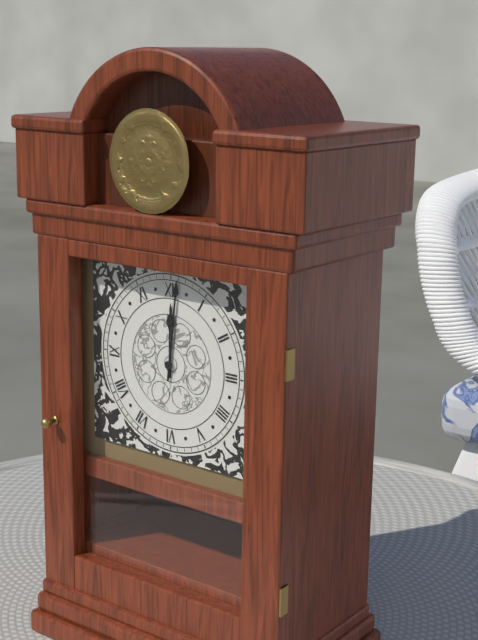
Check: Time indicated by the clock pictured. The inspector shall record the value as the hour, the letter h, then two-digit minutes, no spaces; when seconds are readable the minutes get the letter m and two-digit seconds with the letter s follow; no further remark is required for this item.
12h01
